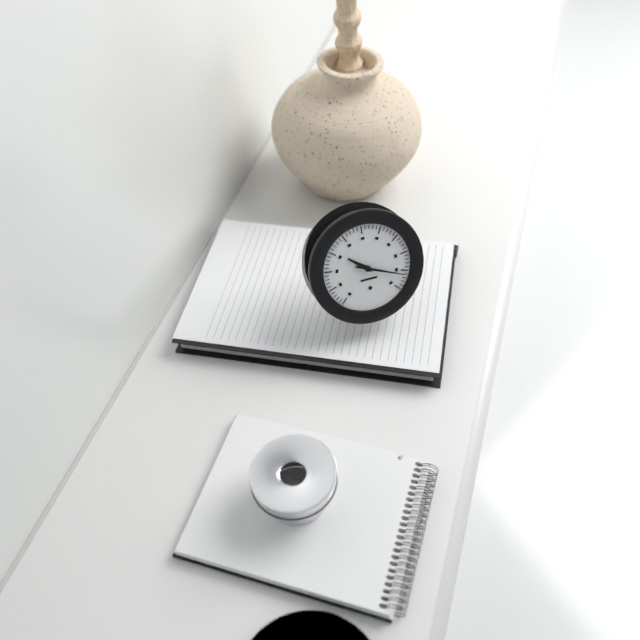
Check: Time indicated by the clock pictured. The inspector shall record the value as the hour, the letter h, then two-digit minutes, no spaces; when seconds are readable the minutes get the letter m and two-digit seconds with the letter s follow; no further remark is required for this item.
10h19
